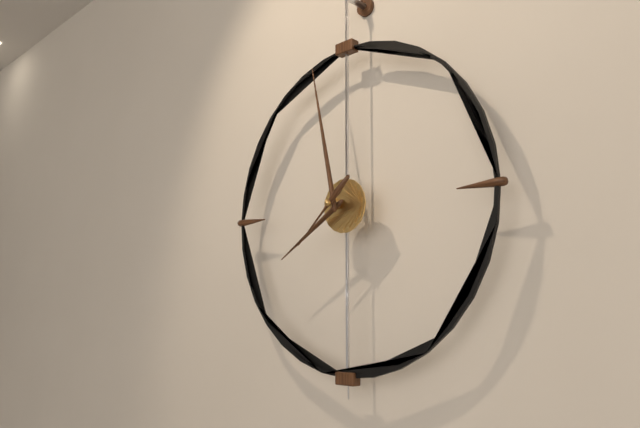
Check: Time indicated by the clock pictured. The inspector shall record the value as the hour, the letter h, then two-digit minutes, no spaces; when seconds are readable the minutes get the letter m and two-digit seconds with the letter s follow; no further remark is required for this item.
7h58m38s
